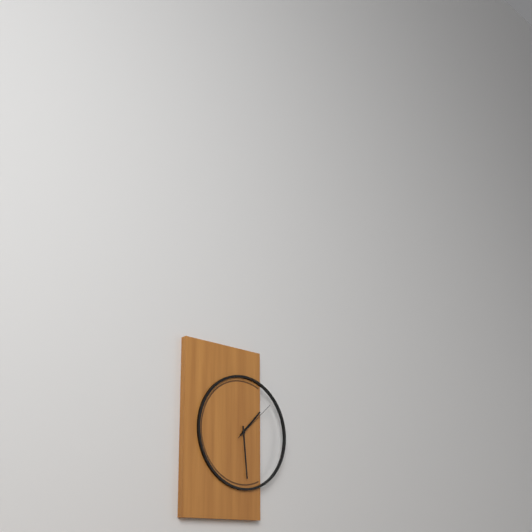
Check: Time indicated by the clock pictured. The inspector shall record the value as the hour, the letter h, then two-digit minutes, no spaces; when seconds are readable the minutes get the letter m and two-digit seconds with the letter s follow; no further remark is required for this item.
1h29
